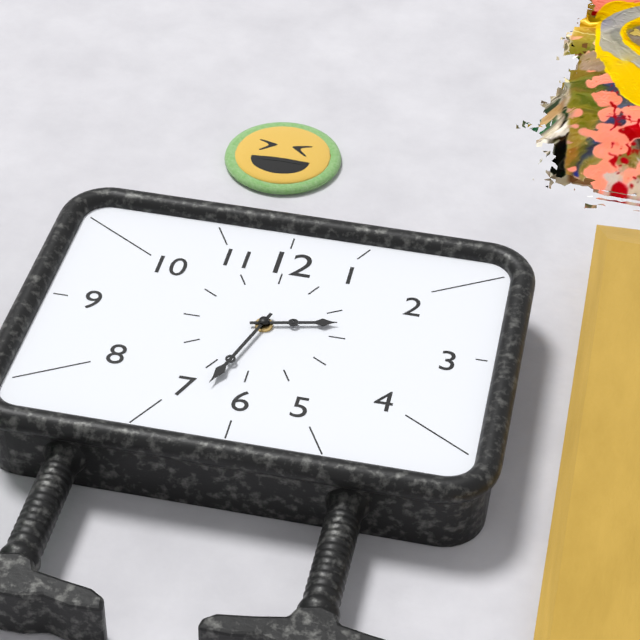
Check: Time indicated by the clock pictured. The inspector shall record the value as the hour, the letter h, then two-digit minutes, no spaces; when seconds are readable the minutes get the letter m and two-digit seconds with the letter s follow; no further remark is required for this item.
2h33
